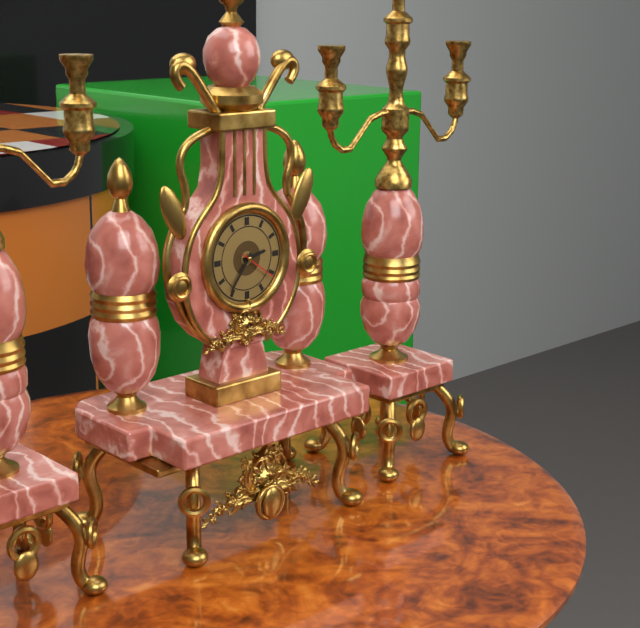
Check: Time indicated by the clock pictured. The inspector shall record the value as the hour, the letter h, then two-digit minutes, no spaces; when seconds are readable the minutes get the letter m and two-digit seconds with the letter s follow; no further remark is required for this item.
2h36
